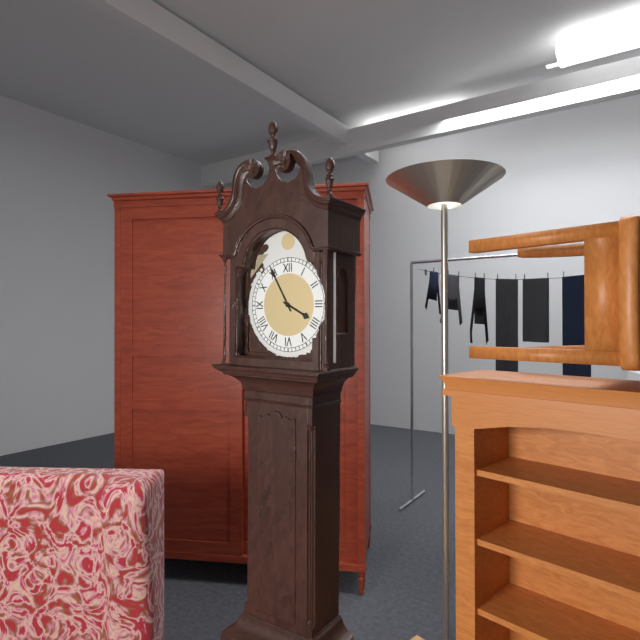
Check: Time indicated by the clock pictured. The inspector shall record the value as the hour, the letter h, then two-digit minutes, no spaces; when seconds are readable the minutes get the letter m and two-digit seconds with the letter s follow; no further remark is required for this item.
3h55
